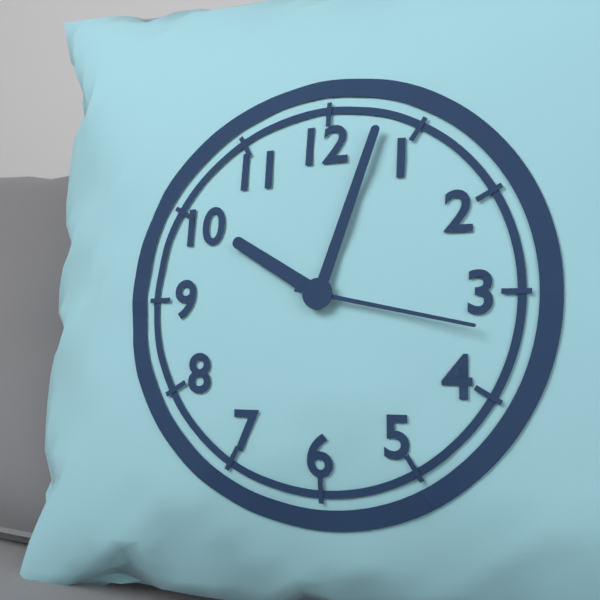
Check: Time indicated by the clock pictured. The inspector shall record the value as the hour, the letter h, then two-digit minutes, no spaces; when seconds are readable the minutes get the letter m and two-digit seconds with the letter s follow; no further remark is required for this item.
10h03m17s
